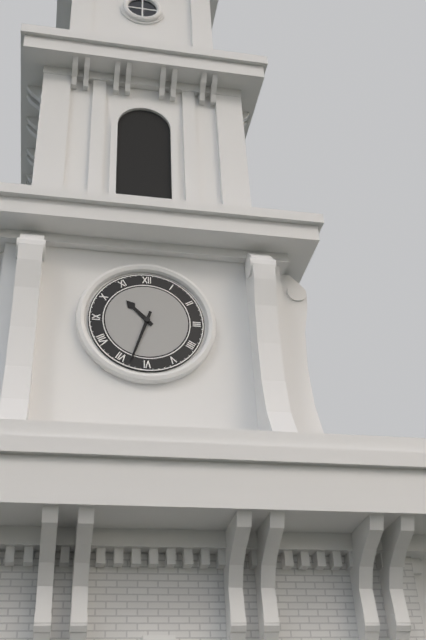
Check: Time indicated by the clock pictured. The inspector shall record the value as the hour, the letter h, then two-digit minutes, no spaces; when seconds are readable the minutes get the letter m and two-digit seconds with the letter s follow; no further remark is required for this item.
10h33
